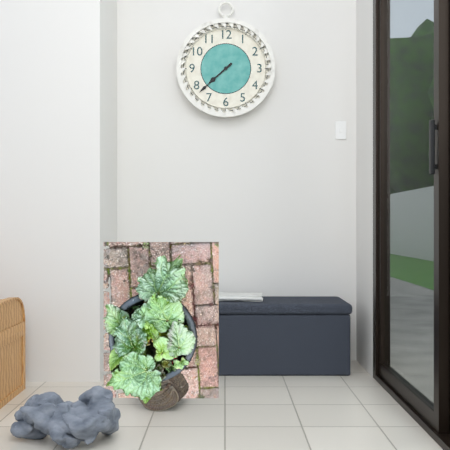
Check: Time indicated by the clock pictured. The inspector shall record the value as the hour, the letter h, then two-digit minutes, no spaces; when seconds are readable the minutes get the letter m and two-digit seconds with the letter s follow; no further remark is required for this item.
7h38
